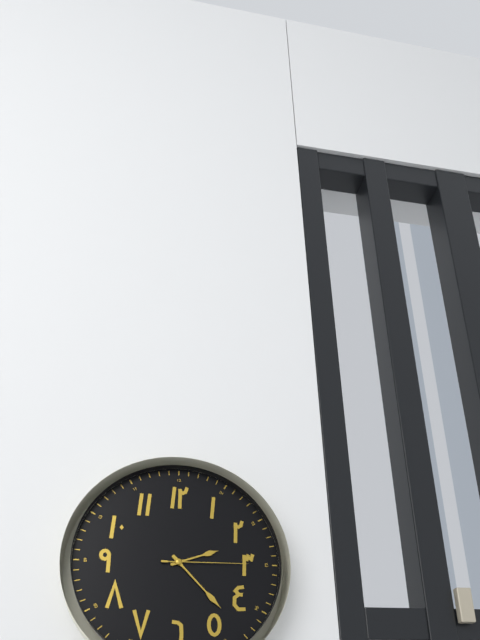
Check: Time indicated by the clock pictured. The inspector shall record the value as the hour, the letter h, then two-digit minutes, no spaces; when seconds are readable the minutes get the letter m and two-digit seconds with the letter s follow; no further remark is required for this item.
2h23m15s
